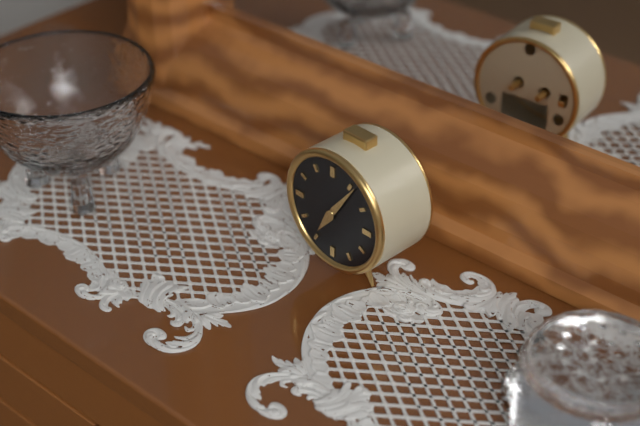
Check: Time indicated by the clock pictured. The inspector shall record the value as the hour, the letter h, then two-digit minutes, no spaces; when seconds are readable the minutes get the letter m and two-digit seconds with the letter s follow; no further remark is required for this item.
7h06
